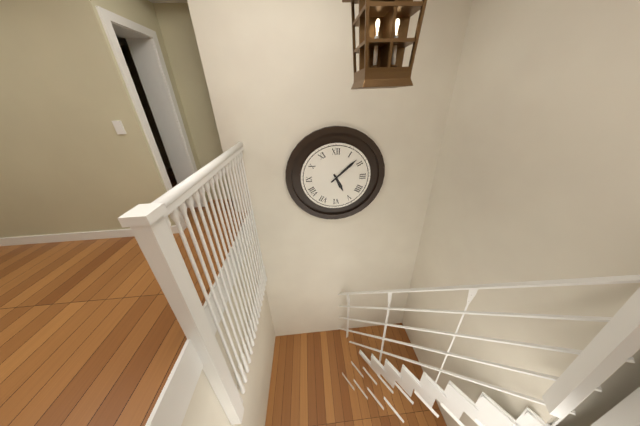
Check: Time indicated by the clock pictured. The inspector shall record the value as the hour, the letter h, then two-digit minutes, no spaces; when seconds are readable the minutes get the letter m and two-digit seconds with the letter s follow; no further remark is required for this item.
5h08
